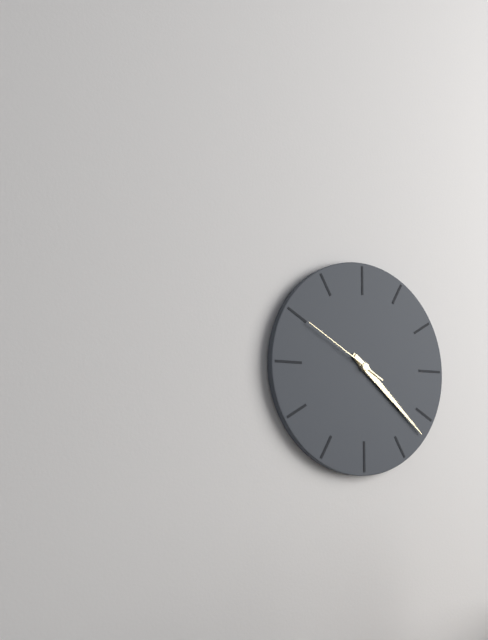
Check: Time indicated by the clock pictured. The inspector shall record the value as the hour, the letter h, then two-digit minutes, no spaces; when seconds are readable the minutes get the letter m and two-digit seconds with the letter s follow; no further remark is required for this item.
4h22m50s
